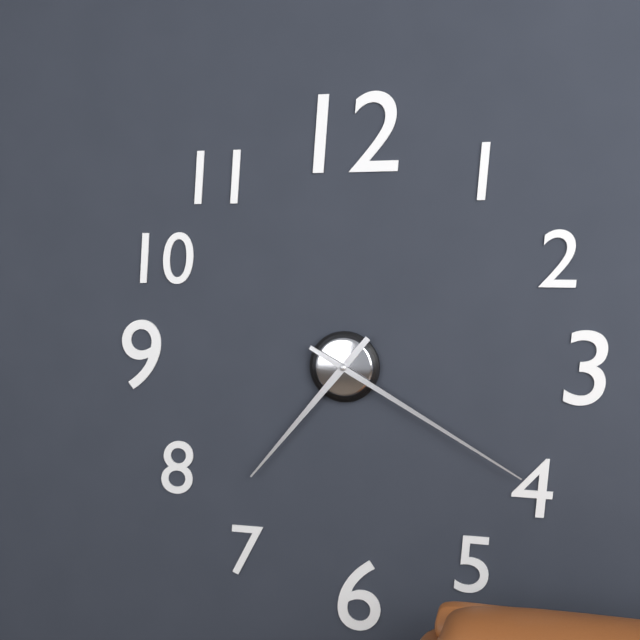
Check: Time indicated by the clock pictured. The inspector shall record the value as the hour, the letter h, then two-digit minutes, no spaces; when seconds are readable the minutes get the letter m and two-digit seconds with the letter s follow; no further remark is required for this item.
7h20
